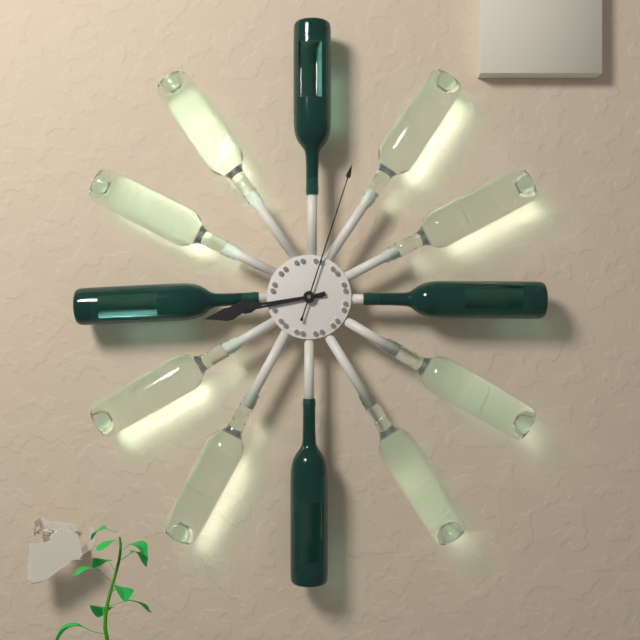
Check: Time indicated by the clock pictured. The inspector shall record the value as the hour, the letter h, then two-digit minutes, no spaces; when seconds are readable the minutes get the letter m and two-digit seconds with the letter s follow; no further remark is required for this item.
8h43m03s
